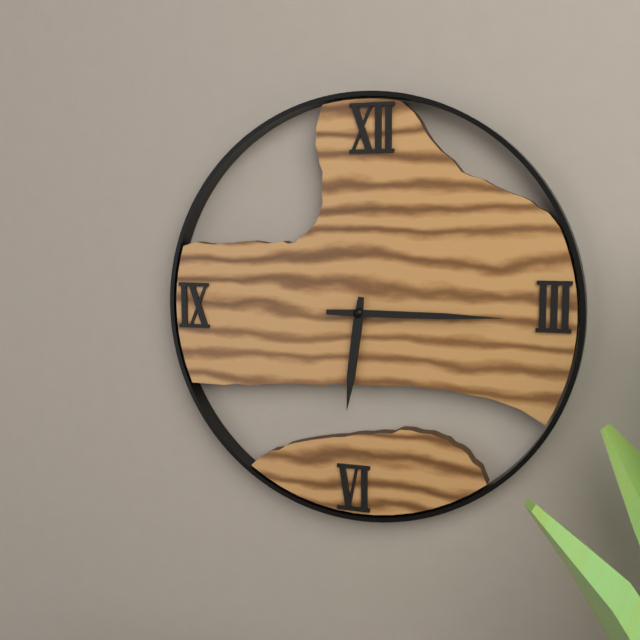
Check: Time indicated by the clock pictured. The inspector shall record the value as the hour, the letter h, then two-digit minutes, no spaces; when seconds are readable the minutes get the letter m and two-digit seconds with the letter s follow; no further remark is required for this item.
6h15
